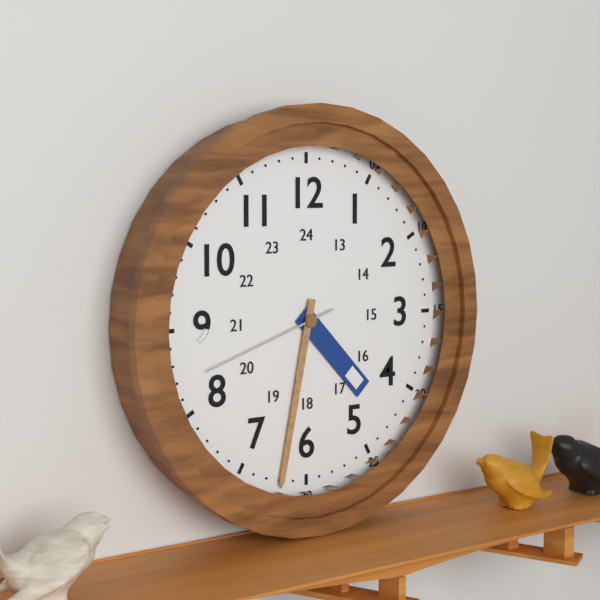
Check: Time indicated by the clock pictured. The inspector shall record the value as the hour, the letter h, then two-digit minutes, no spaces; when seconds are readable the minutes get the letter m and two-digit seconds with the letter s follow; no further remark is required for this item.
4h32m42s
